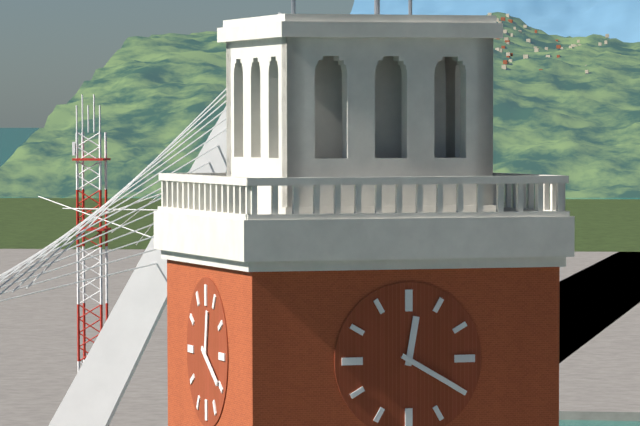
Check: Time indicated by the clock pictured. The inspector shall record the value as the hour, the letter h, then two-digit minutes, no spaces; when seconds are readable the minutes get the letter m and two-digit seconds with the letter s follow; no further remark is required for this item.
12h20
